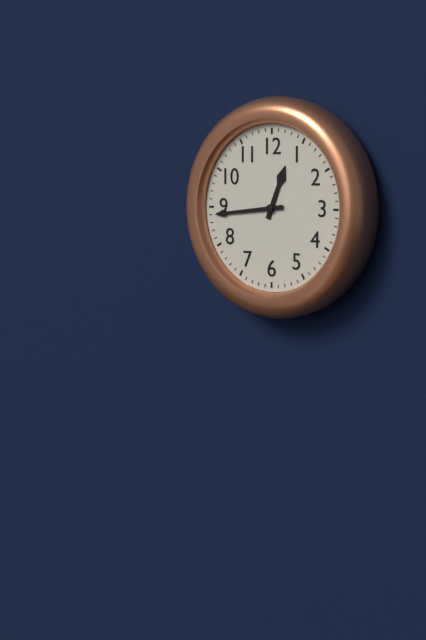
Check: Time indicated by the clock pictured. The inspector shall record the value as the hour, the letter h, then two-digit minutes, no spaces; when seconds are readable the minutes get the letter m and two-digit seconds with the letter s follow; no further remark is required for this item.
12h44
